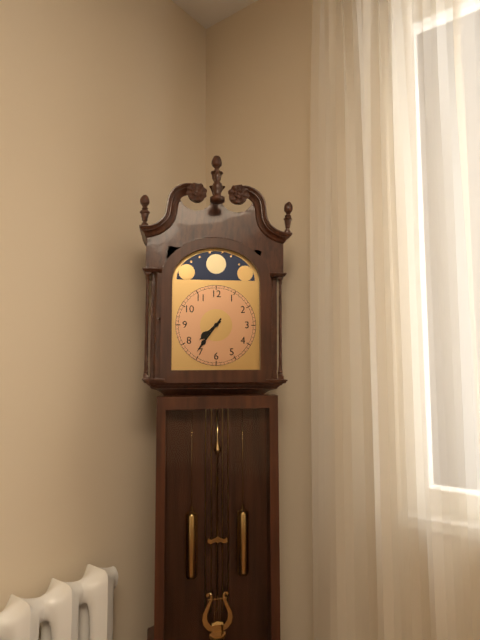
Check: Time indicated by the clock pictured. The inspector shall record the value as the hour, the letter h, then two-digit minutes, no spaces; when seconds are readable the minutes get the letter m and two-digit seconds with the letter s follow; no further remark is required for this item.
7h36
